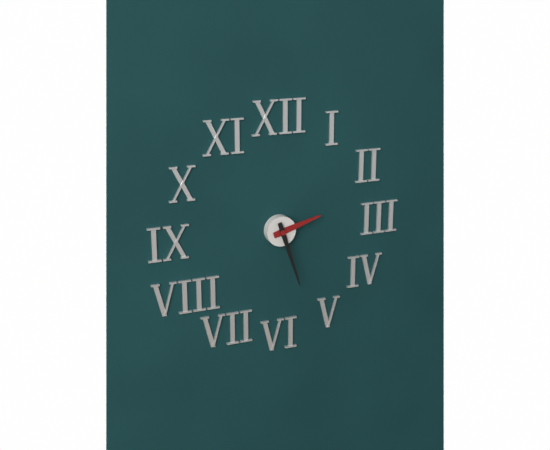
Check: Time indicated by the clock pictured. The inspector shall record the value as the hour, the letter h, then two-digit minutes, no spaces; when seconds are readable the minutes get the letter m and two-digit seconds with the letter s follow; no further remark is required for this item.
2h27
